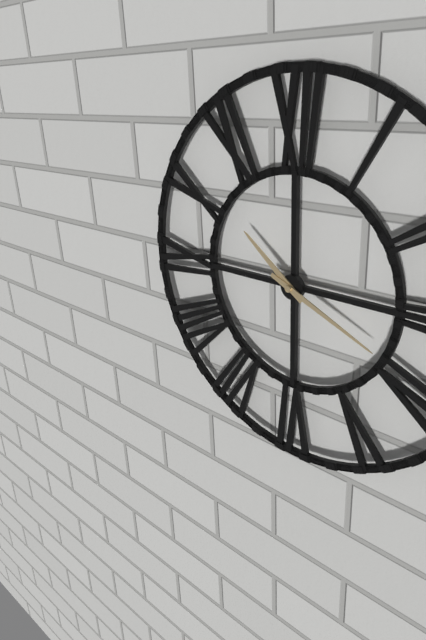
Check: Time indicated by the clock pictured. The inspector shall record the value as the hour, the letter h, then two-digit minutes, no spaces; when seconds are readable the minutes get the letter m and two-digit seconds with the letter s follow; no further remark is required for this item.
10h19
